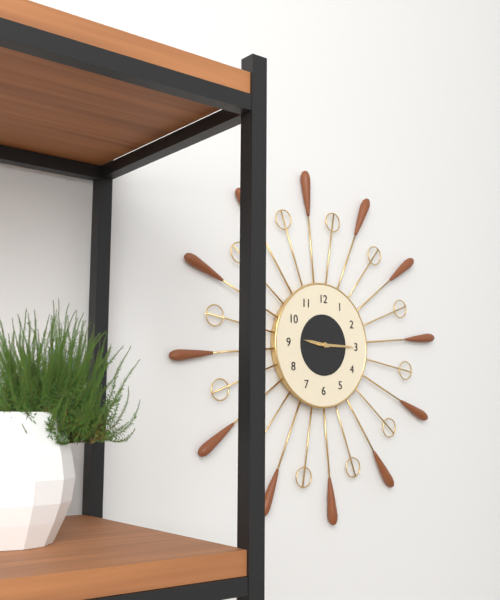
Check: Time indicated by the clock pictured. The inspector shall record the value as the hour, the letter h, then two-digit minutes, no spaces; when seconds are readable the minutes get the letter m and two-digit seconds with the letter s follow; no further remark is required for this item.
9h15
